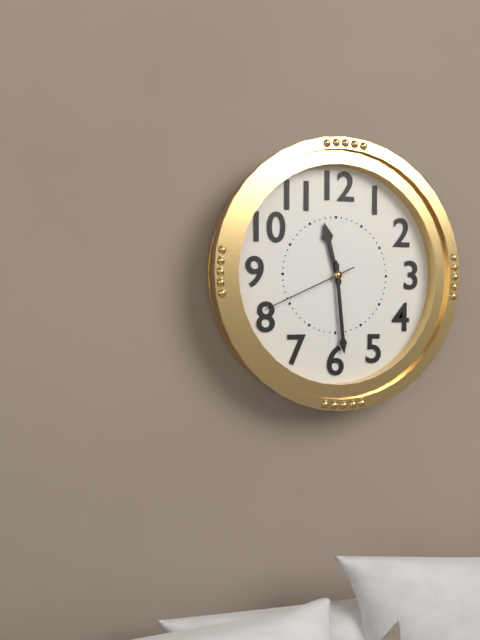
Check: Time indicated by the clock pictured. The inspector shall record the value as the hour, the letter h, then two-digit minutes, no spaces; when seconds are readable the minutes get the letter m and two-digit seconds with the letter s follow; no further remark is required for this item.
11h29m41s
